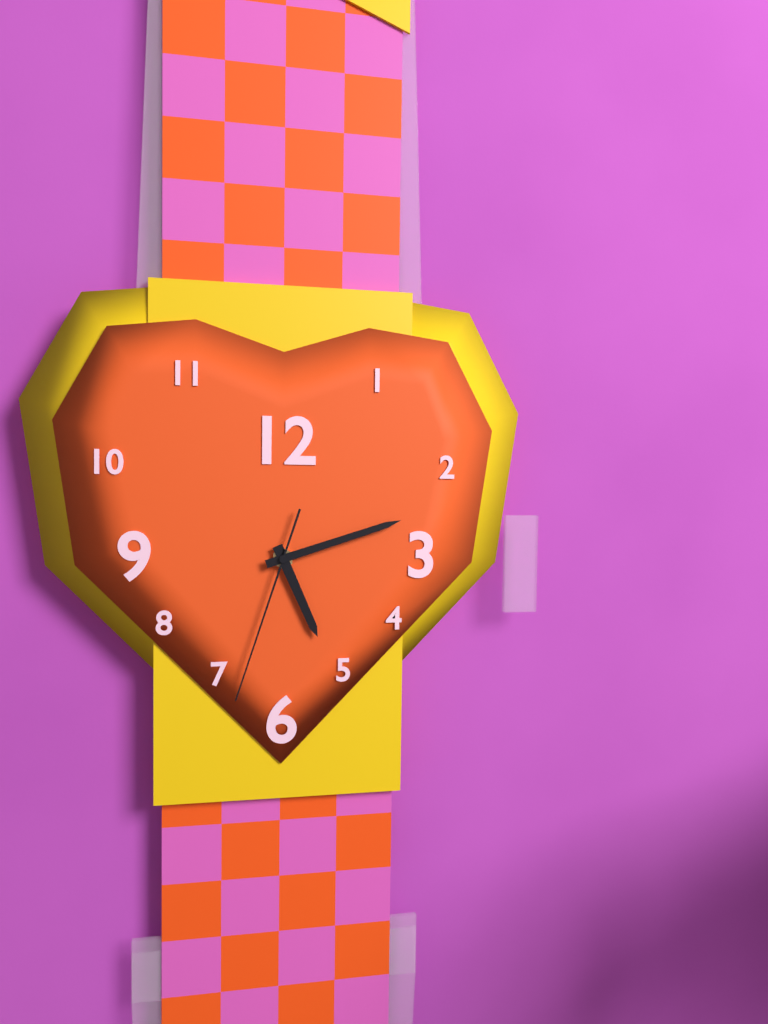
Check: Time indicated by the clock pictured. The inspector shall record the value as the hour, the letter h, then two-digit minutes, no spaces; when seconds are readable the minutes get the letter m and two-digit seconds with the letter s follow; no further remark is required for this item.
5h12m33s
